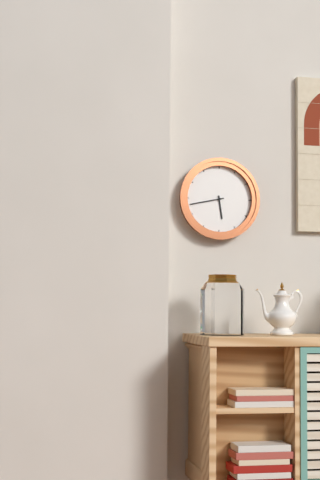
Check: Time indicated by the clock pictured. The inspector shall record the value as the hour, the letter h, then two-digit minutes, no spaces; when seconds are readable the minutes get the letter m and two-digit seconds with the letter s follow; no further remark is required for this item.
5h43
